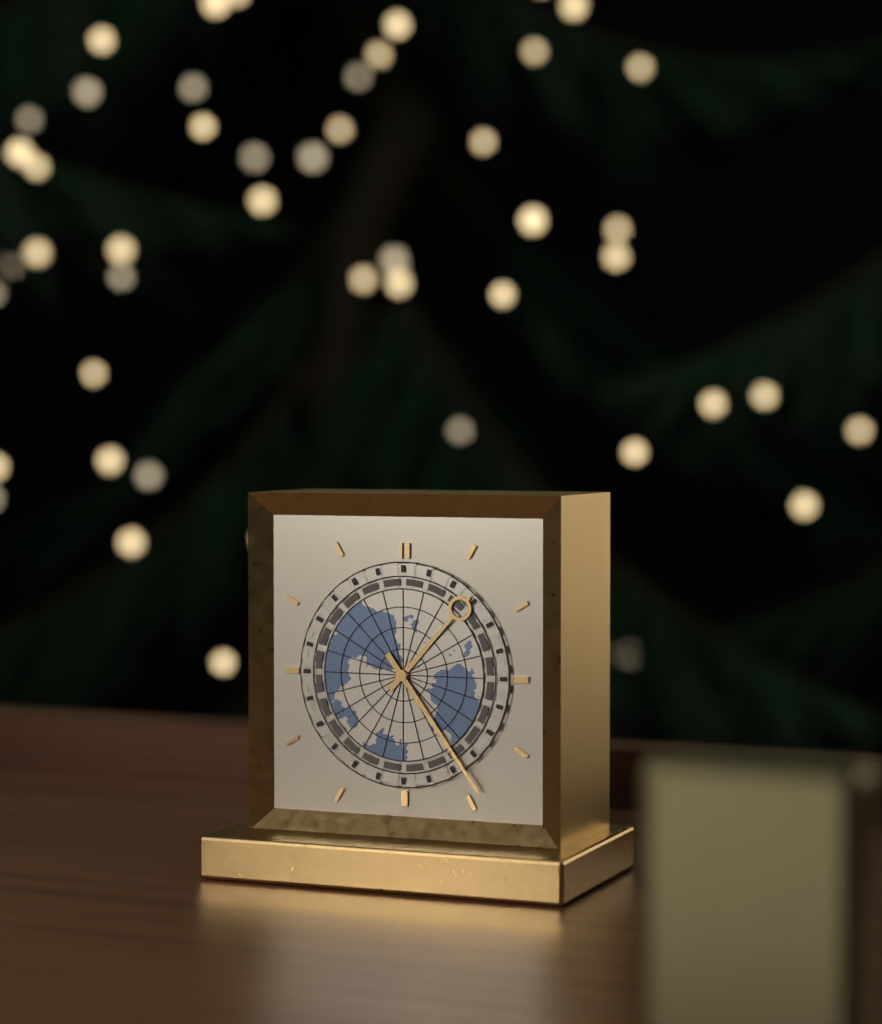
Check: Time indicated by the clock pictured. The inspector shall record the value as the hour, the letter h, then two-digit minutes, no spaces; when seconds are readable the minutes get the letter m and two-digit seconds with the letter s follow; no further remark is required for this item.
1h24
